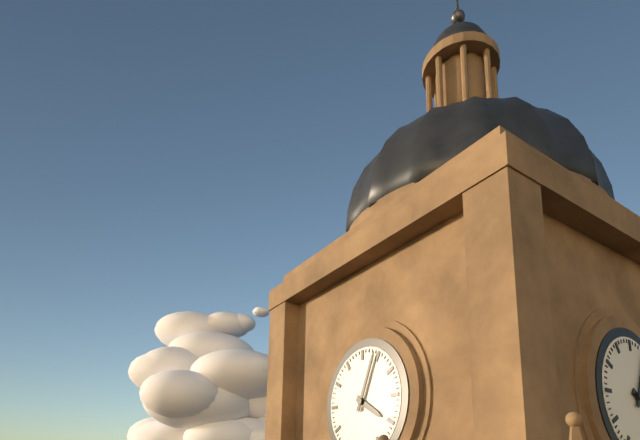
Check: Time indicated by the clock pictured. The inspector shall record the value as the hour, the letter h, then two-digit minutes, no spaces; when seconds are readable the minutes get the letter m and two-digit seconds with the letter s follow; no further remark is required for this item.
4h04
